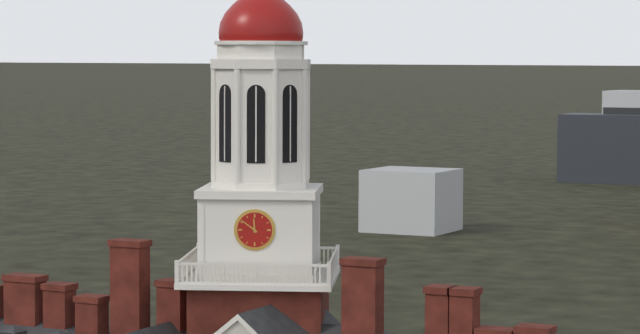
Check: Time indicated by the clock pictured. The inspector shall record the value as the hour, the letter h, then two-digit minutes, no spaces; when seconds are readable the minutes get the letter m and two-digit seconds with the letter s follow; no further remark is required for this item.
11h51
